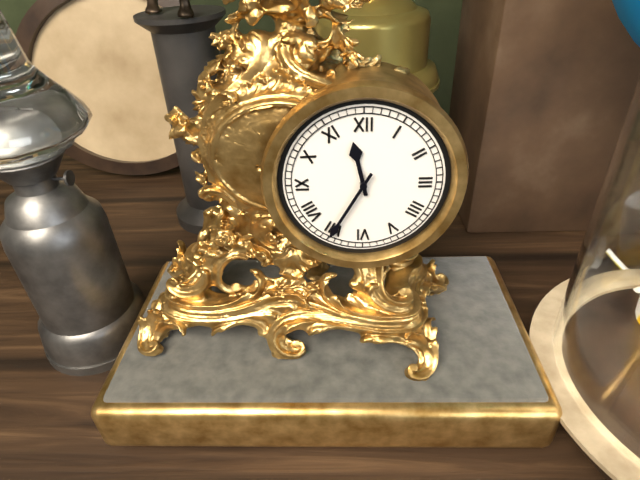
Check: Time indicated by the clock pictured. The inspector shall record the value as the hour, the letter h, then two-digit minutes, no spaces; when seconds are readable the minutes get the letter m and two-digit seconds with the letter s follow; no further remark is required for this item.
11h35
